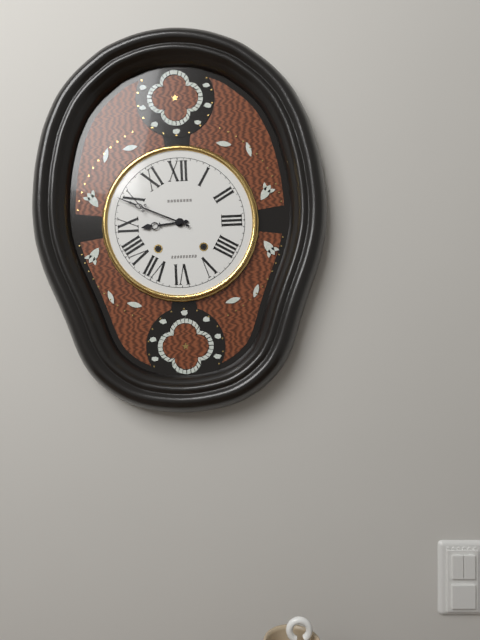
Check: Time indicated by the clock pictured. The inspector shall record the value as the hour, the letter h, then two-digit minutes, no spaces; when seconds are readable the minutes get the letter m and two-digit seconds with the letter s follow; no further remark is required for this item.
8h49
